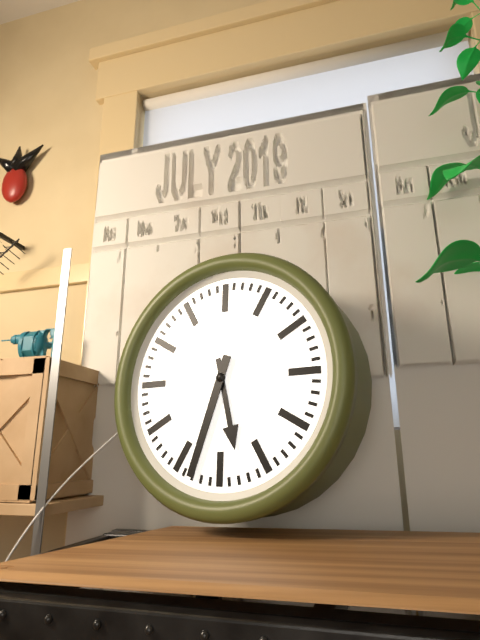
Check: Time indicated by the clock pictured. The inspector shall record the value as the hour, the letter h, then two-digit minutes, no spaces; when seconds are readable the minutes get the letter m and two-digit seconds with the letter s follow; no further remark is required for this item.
5h33
